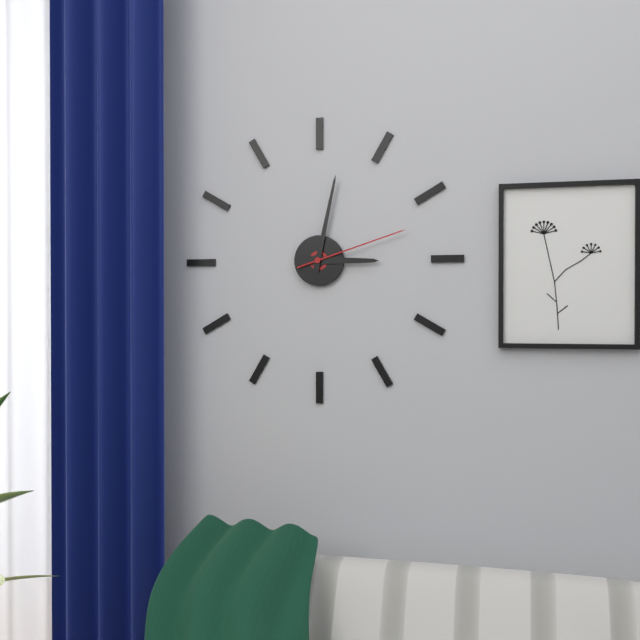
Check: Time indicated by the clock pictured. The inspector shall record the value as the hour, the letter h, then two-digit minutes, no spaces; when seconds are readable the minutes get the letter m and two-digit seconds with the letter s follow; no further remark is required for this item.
3h02m12s
